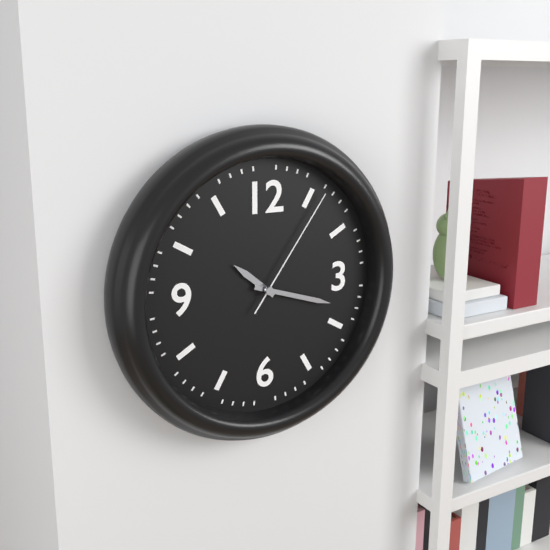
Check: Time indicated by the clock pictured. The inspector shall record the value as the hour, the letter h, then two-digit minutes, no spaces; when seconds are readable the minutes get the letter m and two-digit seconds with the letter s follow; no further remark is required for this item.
10h18m06s
